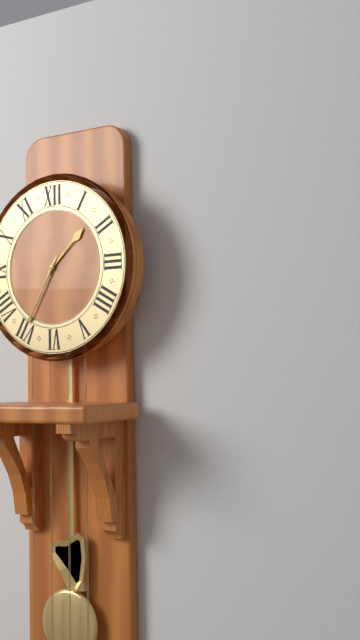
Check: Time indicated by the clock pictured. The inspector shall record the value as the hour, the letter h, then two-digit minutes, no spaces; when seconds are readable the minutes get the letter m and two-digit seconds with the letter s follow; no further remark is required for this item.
1h35
